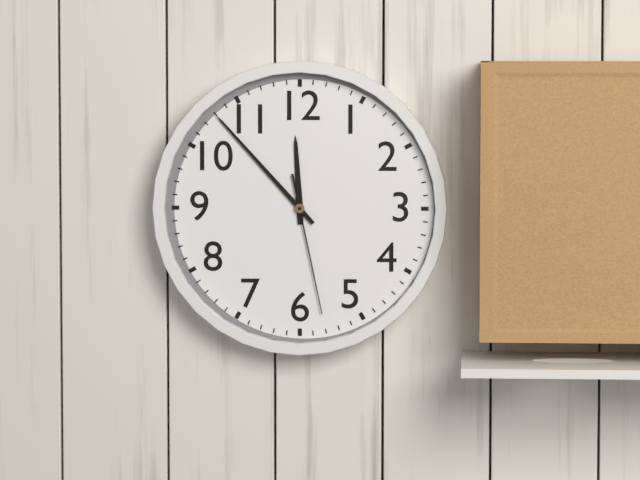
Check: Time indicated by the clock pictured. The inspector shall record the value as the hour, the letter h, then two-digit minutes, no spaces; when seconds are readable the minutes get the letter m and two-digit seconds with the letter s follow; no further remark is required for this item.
11h53m28s
